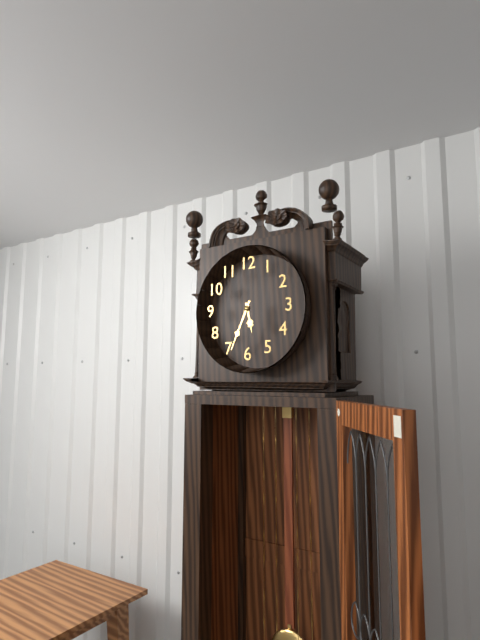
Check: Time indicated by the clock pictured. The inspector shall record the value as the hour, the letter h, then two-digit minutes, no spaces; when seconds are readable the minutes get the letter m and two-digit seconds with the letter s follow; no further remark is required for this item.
5h34
